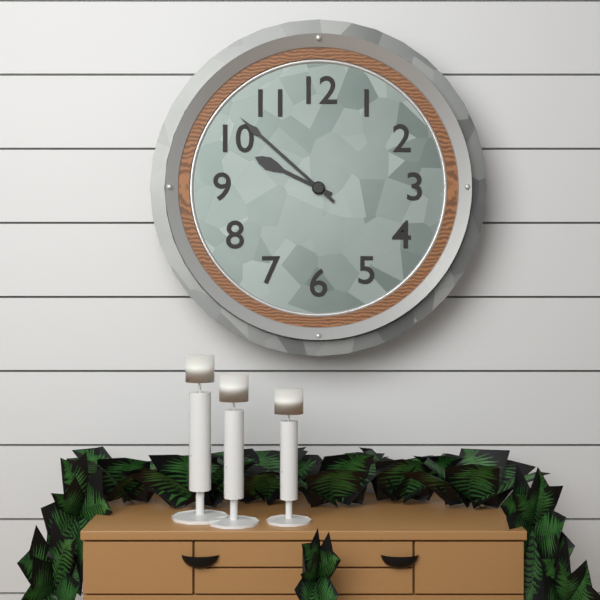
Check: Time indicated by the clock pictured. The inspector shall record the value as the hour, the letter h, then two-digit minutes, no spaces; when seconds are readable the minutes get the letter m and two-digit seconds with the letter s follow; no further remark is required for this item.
9h52
